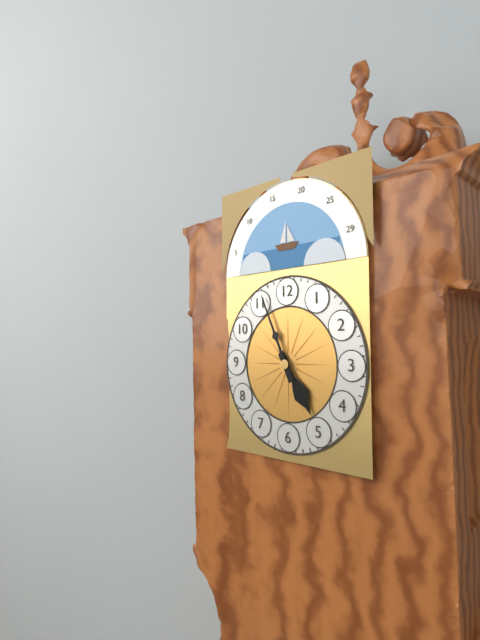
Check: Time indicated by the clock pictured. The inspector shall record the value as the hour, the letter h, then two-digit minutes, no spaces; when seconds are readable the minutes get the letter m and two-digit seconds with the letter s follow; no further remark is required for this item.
4h56
